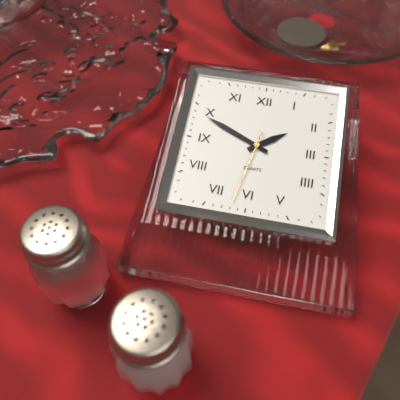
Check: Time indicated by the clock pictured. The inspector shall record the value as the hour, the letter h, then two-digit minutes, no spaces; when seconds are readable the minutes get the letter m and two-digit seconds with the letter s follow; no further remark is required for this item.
1h49m32s
